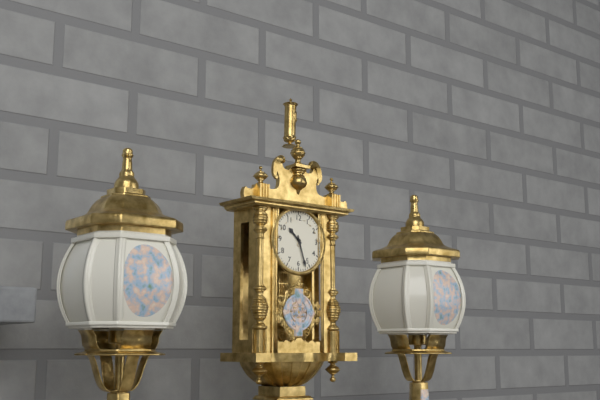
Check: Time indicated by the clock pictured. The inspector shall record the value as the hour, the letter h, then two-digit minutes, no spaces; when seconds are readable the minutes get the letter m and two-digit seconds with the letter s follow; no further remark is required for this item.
10h27
